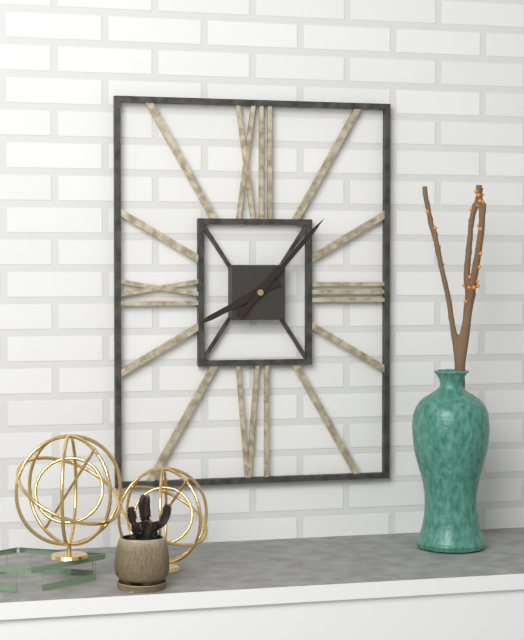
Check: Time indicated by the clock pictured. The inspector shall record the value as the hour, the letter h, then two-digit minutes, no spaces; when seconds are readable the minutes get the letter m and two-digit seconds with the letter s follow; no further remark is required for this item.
8h07
